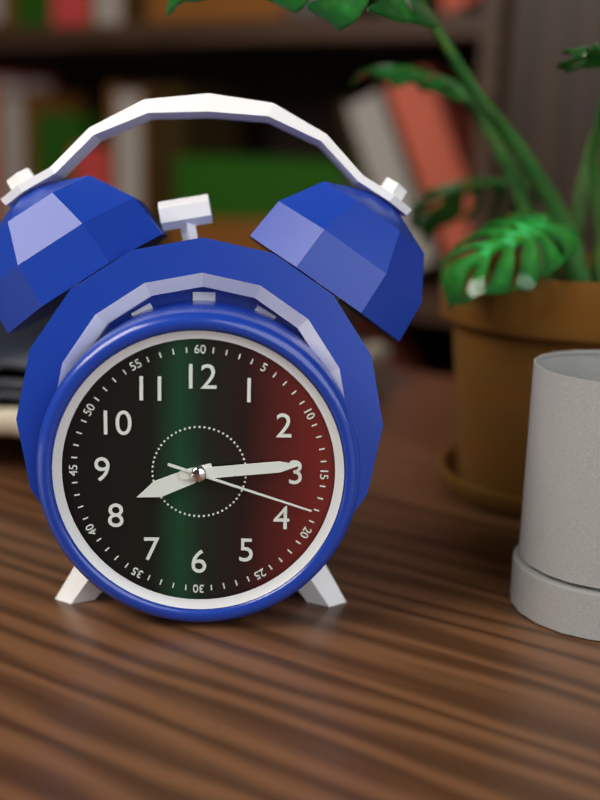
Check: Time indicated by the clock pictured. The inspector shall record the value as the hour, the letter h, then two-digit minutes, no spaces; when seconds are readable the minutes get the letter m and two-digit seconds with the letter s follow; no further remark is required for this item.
8h14m18s
